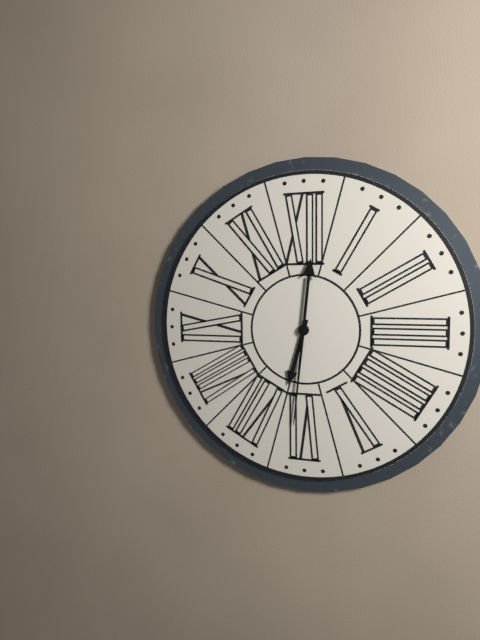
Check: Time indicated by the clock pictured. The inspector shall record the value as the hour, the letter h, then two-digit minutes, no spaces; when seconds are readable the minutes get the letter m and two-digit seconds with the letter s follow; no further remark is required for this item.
6h31
